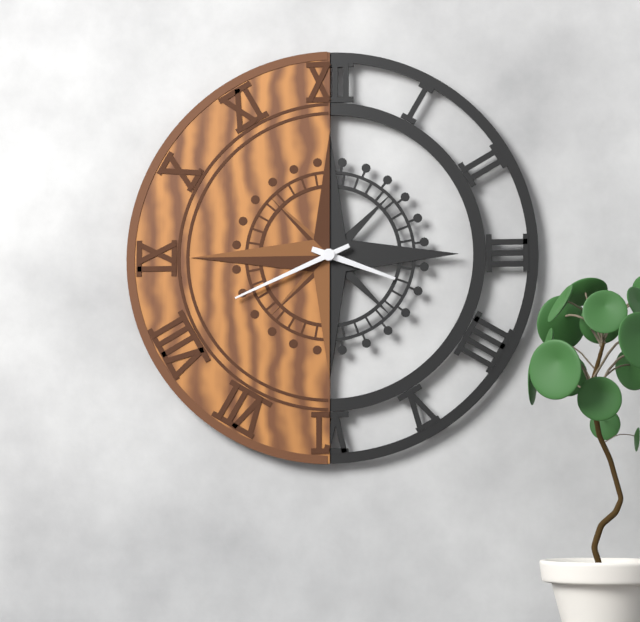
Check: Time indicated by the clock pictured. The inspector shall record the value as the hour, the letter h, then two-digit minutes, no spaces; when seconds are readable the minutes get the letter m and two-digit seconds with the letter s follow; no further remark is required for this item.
3h41
